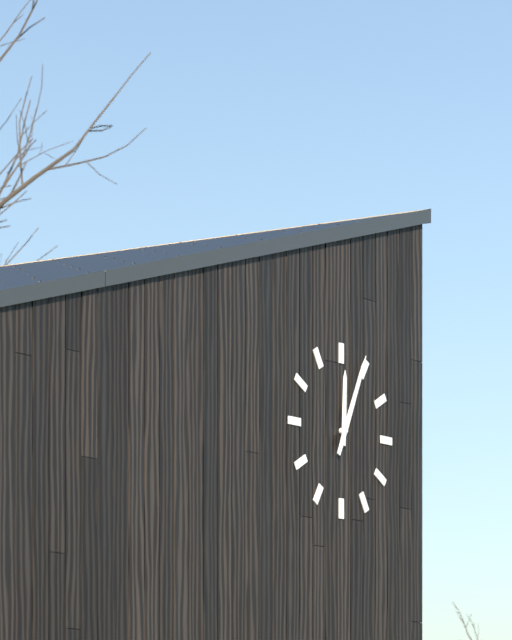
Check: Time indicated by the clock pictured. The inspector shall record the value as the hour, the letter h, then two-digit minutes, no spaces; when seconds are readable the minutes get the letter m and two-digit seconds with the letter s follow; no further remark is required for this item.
12h04
